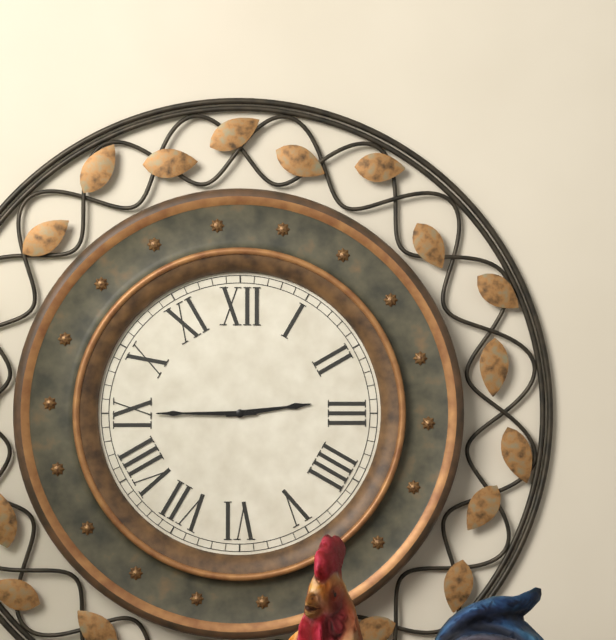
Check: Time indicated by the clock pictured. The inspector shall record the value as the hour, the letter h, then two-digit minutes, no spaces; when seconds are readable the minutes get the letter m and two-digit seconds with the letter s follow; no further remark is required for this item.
2h45
